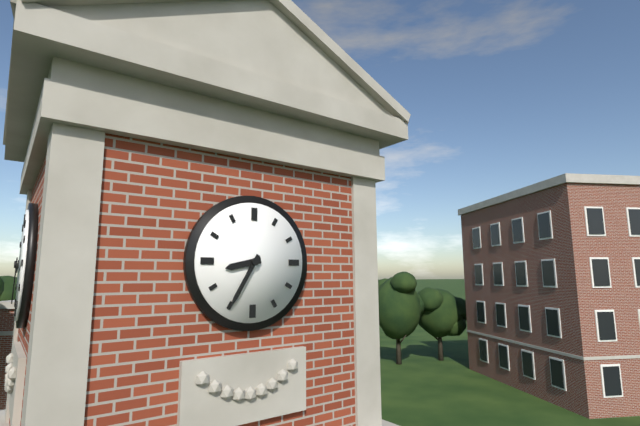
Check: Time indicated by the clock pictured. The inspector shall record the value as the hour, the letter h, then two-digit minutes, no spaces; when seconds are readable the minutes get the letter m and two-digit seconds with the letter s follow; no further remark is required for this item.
8h35
